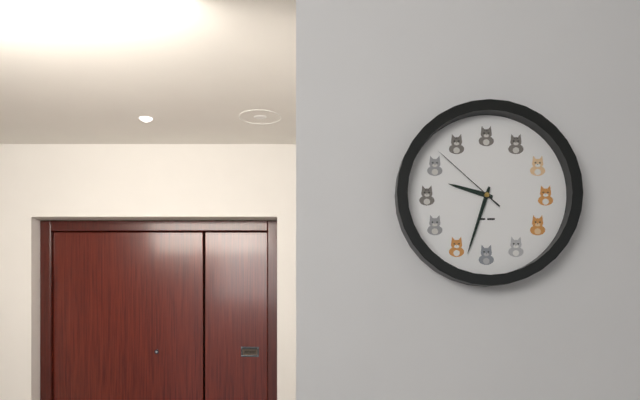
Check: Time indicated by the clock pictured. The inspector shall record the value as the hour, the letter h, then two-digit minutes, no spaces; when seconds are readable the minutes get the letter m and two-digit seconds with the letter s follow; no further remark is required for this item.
9h33m52s
